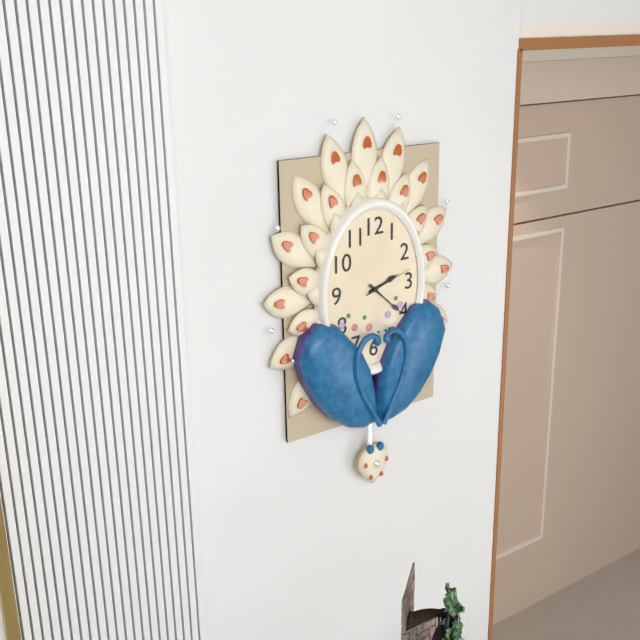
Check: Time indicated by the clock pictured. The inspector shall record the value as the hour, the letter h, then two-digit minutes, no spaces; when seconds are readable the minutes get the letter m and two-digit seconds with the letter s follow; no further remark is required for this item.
2h22
